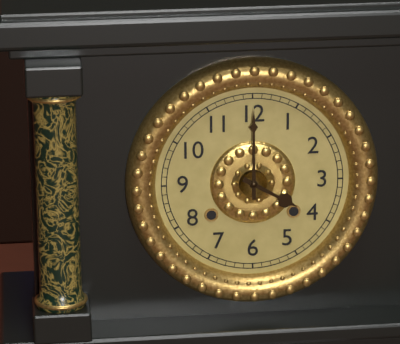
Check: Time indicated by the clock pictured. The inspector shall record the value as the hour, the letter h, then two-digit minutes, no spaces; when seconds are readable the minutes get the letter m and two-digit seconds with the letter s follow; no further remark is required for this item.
4h00
